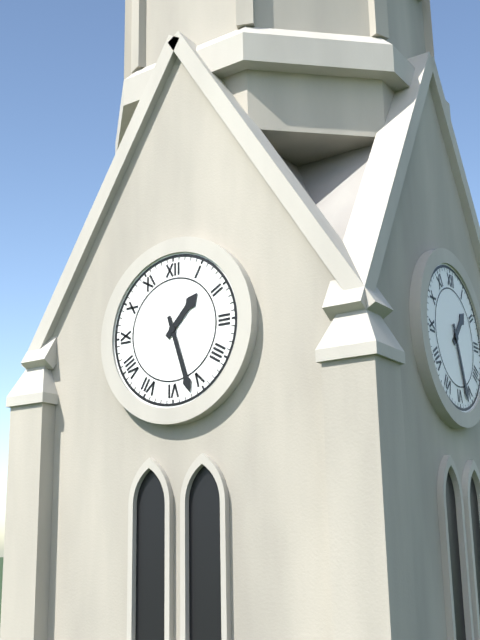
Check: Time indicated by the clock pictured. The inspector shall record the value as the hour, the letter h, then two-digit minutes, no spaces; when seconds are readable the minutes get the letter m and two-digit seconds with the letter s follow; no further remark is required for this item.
1h27
